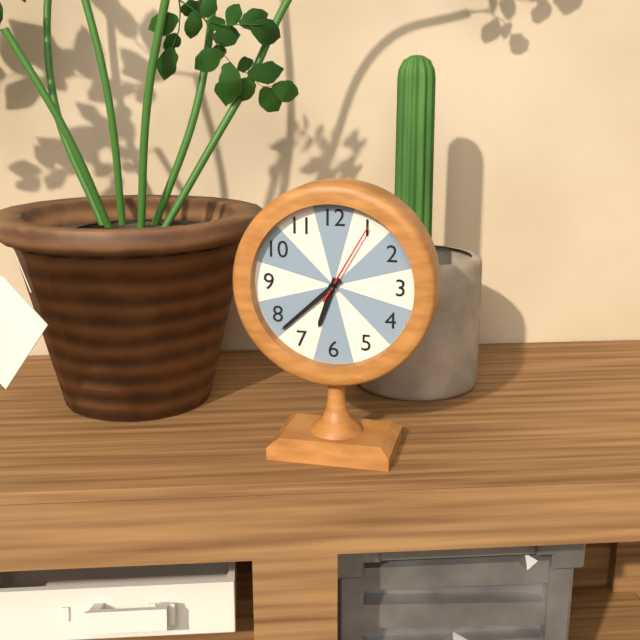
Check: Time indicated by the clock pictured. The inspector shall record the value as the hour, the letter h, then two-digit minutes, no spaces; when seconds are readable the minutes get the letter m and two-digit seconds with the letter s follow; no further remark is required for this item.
6h38m05s
